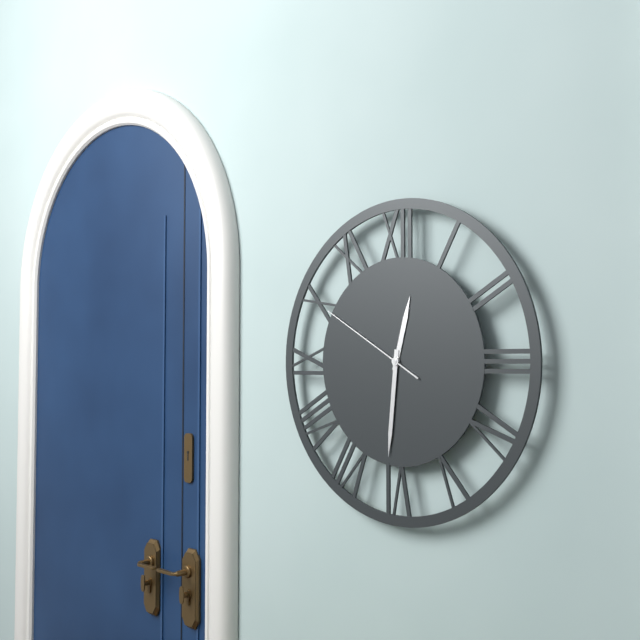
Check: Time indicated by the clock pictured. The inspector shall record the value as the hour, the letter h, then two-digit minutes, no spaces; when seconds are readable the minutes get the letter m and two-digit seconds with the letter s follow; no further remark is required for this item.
12h31m50s
